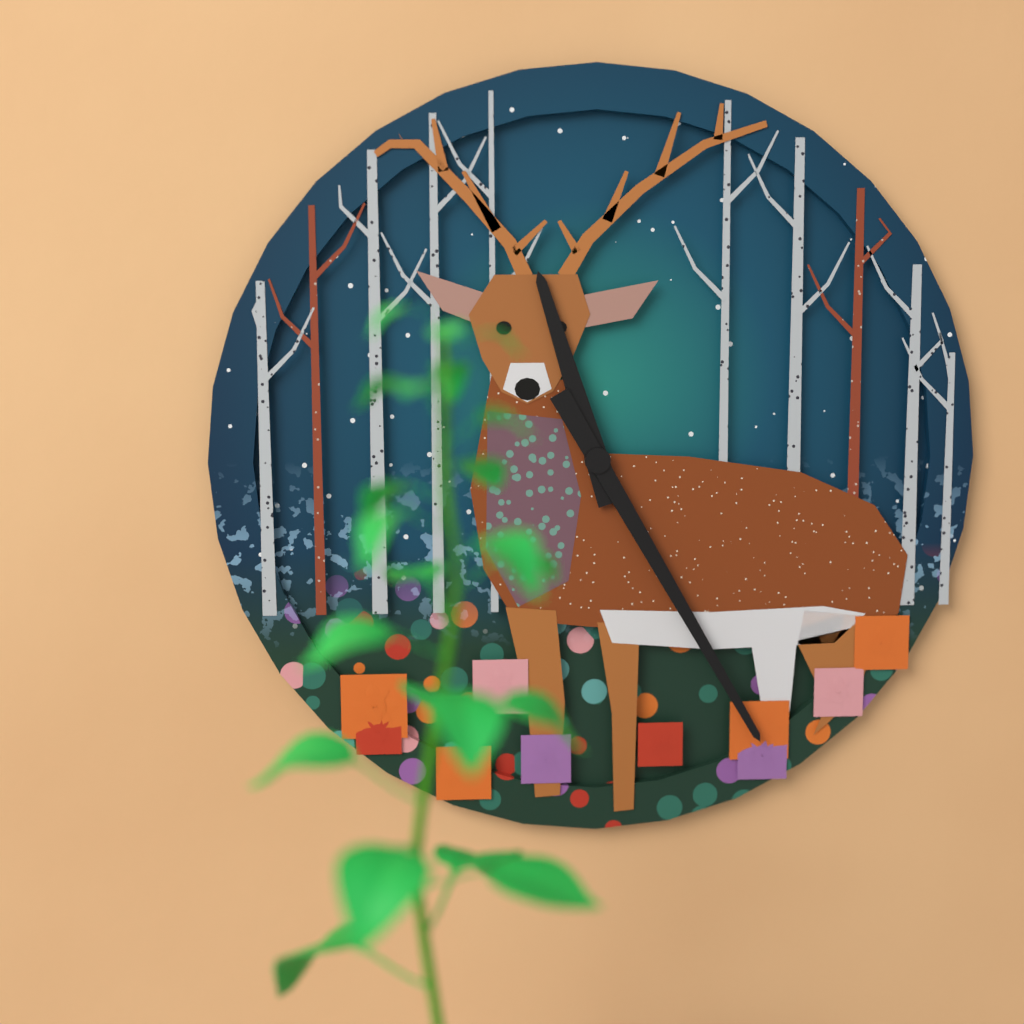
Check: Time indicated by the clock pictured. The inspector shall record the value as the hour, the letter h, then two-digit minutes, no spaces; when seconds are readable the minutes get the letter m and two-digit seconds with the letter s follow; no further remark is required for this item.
11h25
